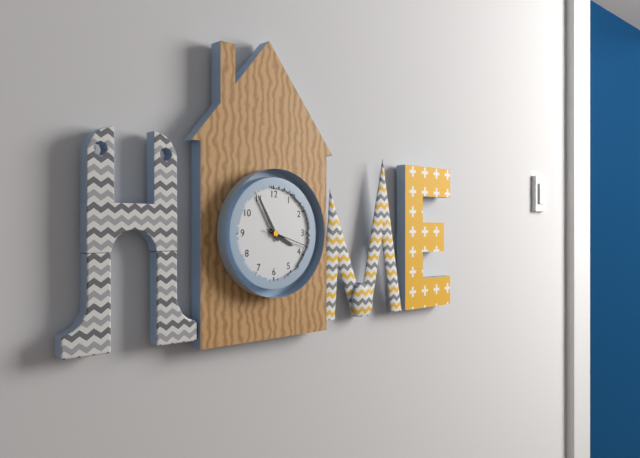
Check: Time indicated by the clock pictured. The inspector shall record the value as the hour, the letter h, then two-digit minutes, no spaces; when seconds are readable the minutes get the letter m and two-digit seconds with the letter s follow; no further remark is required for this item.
3h55
